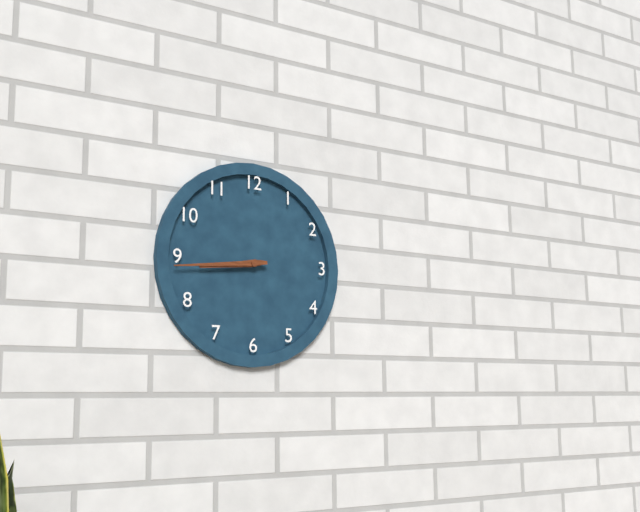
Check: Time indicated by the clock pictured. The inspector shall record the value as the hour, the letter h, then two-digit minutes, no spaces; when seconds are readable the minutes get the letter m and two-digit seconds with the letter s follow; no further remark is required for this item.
8h44
